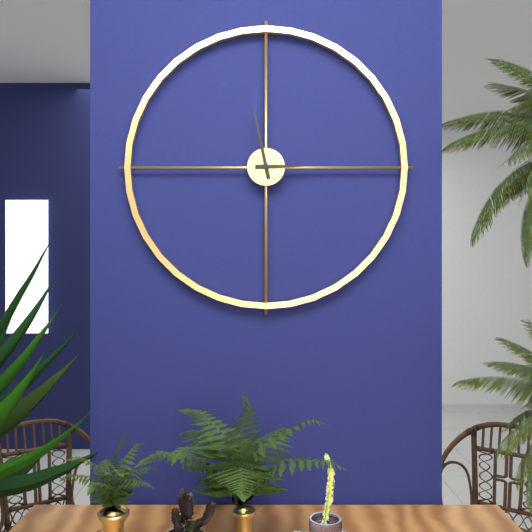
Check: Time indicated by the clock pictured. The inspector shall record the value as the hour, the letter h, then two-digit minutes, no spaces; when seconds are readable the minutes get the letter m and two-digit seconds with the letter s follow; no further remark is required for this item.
2h58
